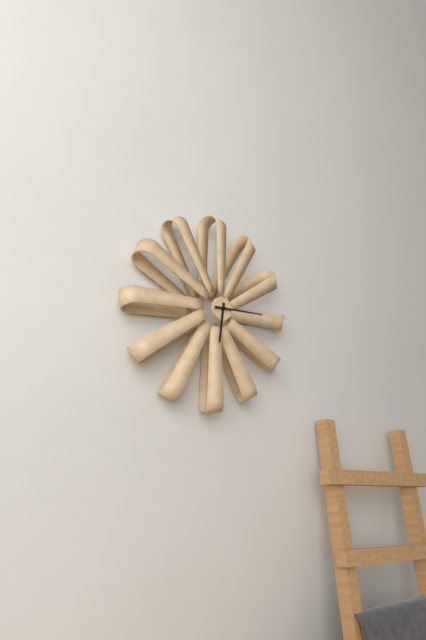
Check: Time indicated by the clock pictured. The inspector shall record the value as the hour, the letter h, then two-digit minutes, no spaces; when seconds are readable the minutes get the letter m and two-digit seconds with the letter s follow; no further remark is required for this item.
6h15
